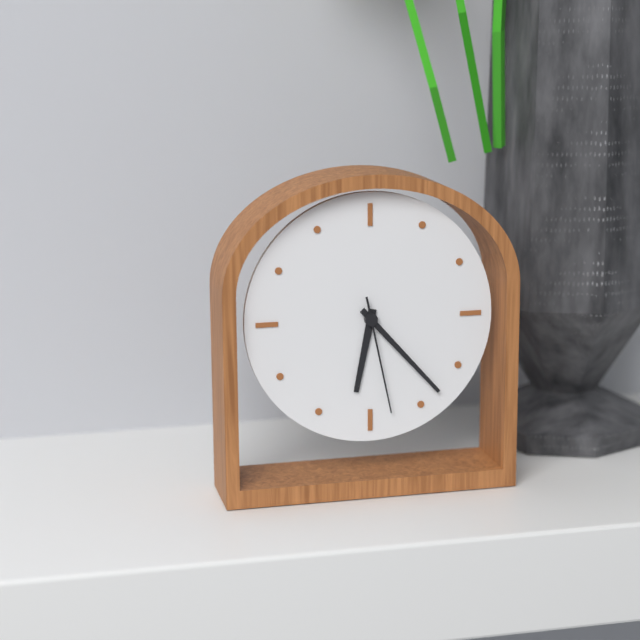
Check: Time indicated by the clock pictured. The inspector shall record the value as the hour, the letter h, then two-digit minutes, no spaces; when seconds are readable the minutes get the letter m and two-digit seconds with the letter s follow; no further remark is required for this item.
6h23m28s
